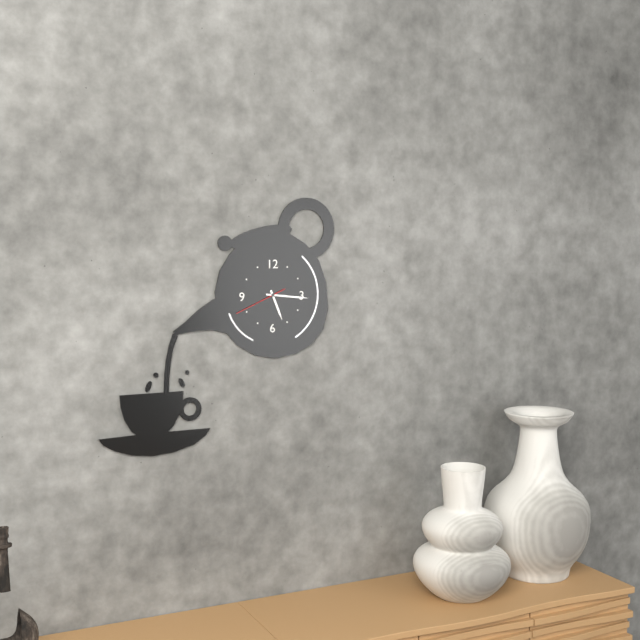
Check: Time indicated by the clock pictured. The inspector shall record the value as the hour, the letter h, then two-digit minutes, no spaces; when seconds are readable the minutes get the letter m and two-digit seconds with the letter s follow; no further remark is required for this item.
5h16m41s
